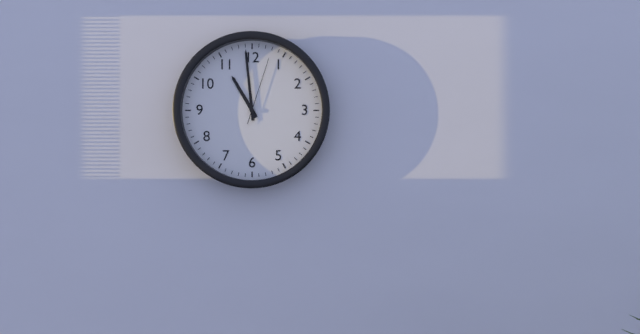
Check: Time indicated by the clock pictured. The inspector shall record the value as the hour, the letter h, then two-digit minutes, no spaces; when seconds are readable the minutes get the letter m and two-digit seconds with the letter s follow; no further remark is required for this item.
10h59m03s
